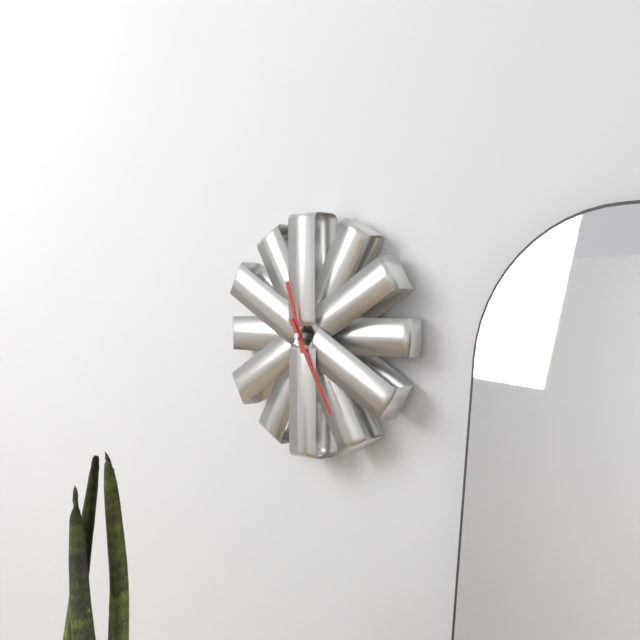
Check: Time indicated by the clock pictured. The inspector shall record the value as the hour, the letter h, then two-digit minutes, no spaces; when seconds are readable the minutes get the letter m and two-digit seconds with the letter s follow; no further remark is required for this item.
11h25
